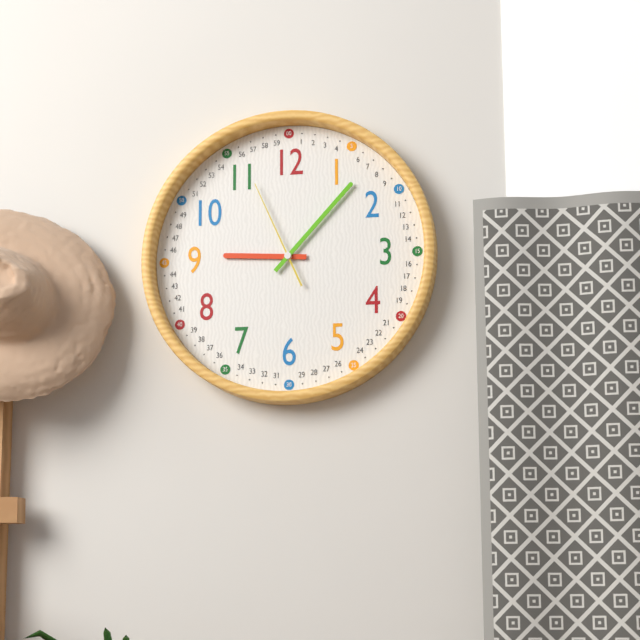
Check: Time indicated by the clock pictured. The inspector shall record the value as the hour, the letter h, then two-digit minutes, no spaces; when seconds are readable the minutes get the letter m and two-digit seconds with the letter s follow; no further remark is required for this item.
9h07m56s
